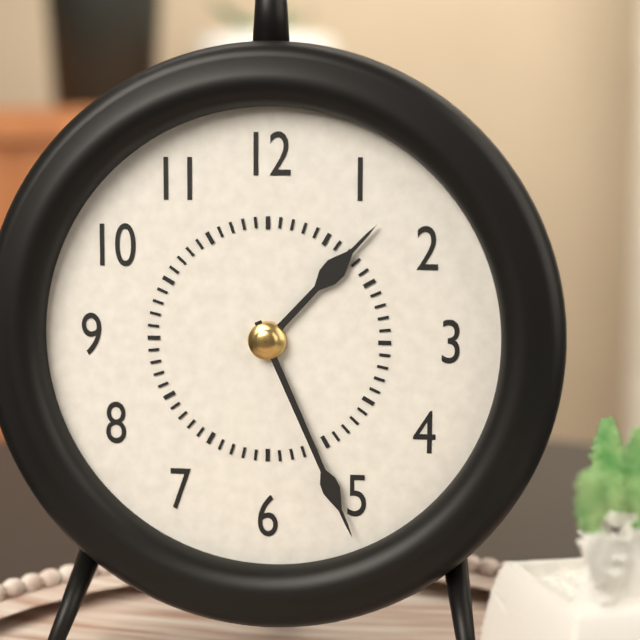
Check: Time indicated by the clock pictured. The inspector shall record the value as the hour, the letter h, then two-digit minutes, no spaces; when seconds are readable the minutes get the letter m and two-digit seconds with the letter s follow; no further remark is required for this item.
1h26
